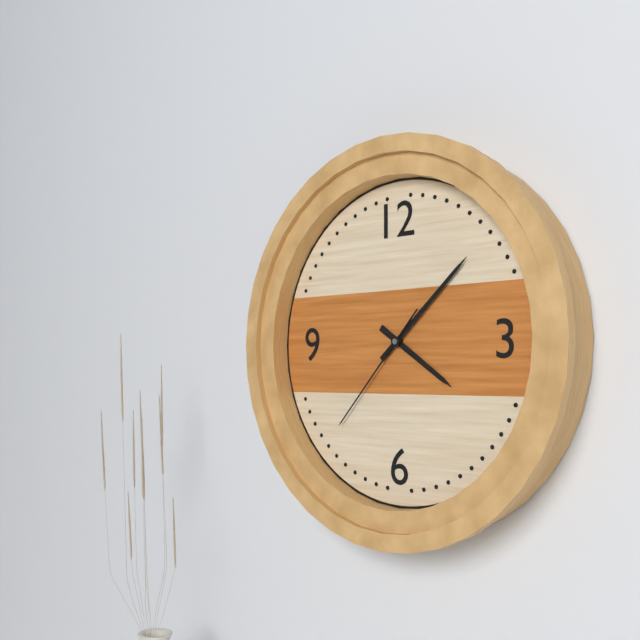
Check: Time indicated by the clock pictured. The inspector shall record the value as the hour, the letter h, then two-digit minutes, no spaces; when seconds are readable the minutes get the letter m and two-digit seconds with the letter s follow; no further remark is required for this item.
4h08m37s
